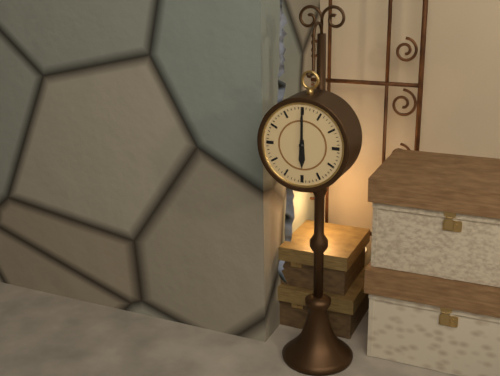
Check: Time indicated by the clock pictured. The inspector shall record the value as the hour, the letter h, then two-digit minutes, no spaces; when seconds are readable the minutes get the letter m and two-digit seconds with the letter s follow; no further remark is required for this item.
6h00
